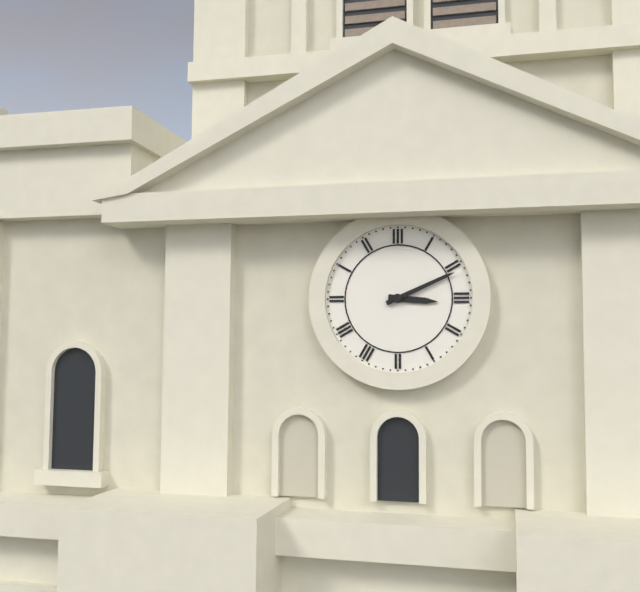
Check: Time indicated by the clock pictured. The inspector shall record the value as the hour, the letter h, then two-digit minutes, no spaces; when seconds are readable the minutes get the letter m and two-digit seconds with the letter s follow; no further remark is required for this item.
3h11
